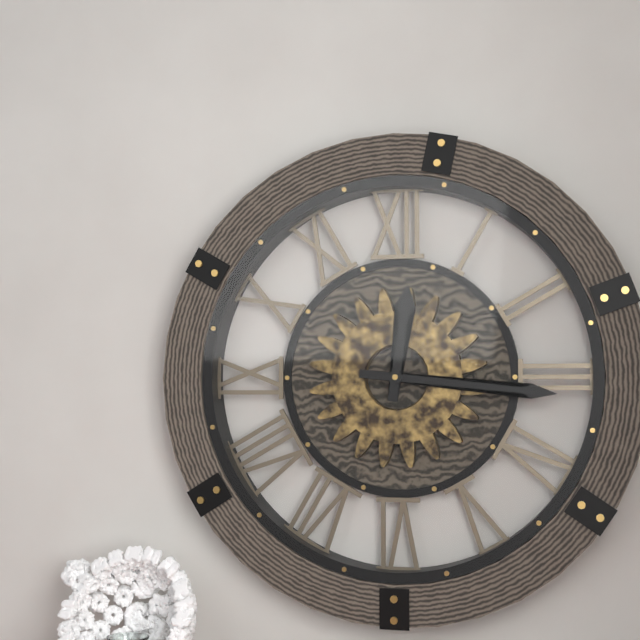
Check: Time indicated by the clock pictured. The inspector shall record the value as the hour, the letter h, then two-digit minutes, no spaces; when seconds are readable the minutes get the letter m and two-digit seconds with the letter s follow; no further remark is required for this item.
12h16
